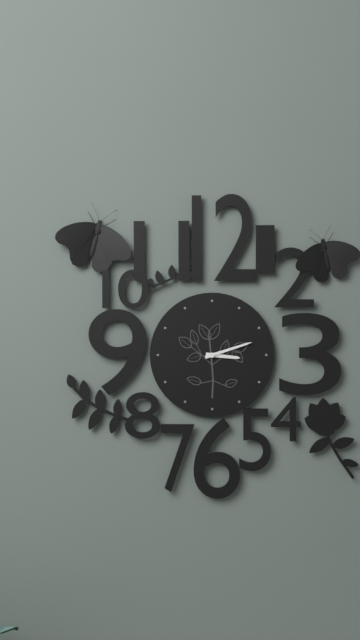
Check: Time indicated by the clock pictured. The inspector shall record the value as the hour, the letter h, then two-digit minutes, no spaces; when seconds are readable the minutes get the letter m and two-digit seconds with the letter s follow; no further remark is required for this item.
3h12
